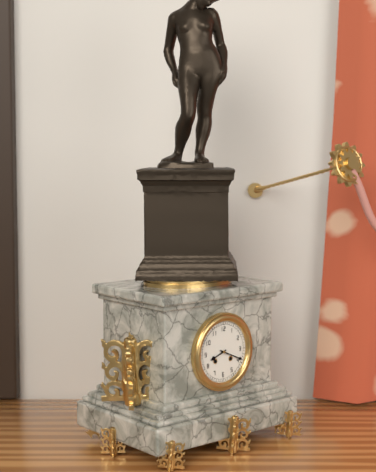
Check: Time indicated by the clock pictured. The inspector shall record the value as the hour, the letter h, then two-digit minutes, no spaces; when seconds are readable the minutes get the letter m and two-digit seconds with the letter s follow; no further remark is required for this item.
8h19
